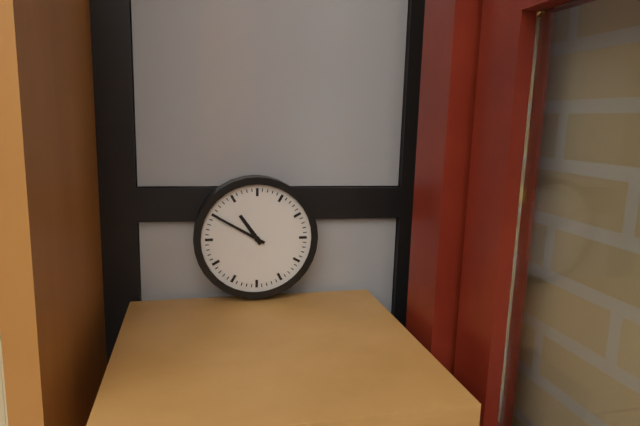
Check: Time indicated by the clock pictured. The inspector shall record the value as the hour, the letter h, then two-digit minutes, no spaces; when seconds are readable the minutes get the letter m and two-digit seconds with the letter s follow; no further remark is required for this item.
10h50
